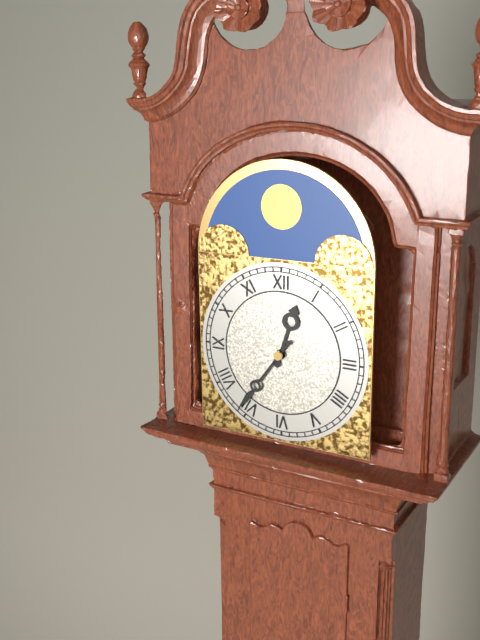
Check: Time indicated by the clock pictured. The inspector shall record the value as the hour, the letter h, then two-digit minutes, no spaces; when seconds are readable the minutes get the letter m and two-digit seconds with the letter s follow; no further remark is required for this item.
12h36
